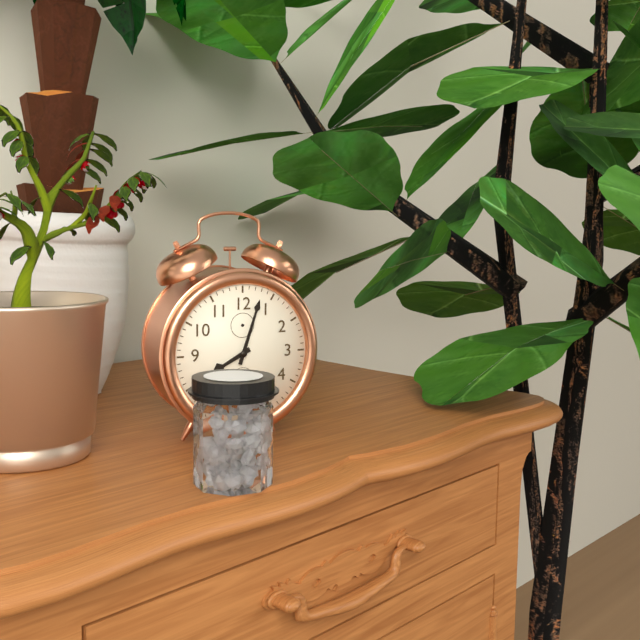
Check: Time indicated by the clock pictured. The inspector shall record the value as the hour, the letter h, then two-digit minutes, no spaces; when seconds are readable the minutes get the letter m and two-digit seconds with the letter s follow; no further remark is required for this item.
8h03
